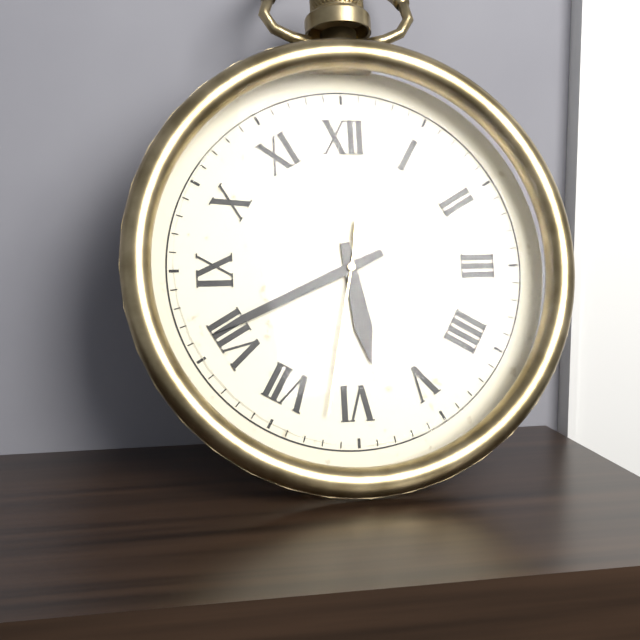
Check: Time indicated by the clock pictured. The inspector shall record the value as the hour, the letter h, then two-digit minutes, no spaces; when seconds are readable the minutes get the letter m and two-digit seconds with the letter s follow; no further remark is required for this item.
5h41m32s
